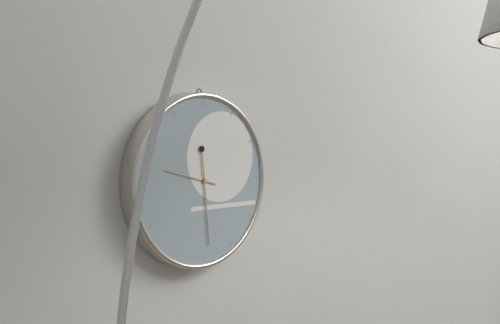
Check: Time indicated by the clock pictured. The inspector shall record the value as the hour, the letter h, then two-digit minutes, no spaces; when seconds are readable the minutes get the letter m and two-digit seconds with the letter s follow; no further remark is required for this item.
9h29
